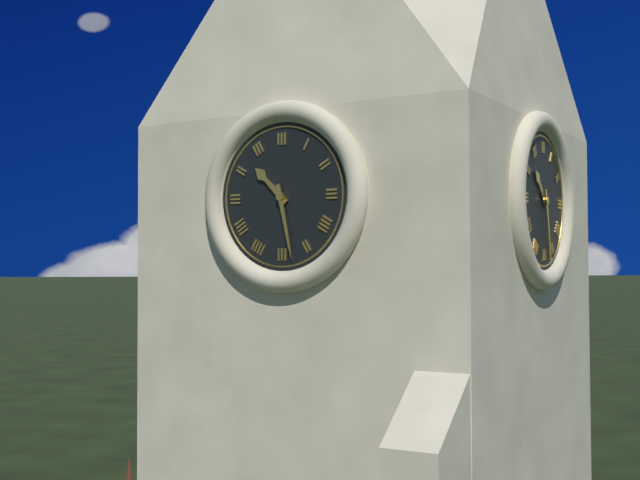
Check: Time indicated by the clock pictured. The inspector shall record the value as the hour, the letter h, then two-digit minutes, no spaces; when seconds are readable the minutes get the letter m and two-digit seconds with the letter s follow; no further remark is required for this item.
10h28
